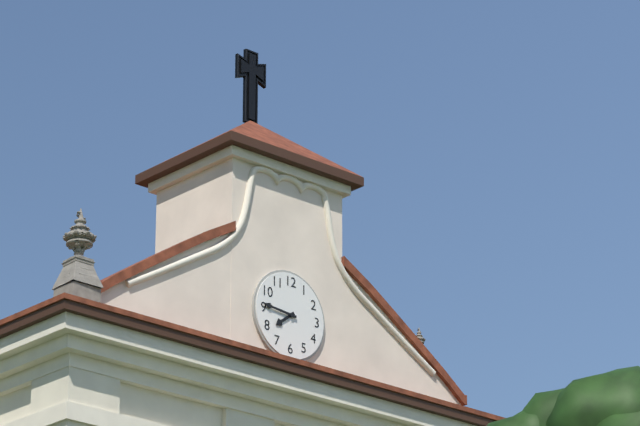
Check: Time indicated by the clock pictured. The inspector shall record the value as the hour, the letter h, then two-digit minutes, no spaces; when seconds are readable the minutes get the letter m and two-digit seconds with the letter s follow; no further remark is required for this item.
7h46
